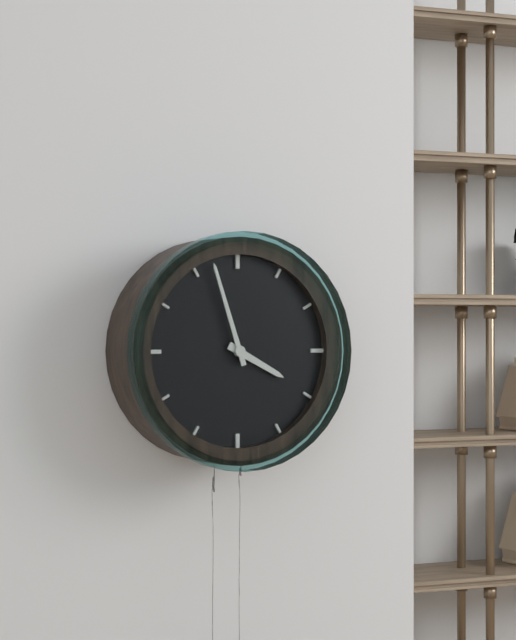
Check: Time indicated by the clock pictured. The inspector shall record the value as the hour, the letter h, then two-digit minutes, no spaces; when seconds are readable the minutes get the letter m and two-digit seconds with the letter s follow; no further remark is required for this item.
3h57
